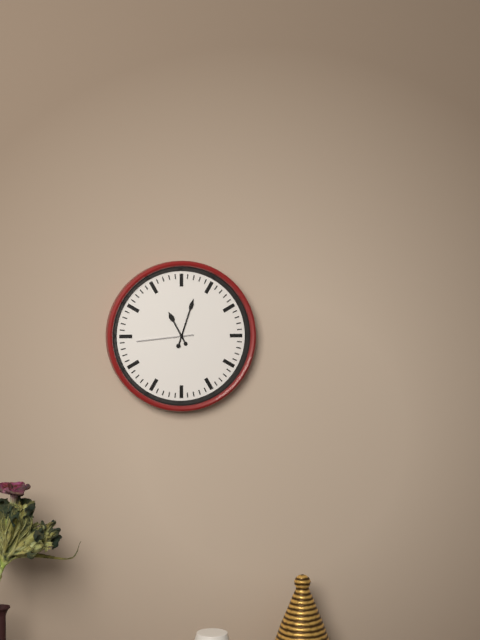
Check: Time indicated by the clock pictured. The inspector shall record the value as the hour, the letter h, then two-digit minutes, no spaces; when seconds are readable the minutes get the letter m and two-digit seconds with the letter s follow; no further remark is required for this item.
11h03m44s
